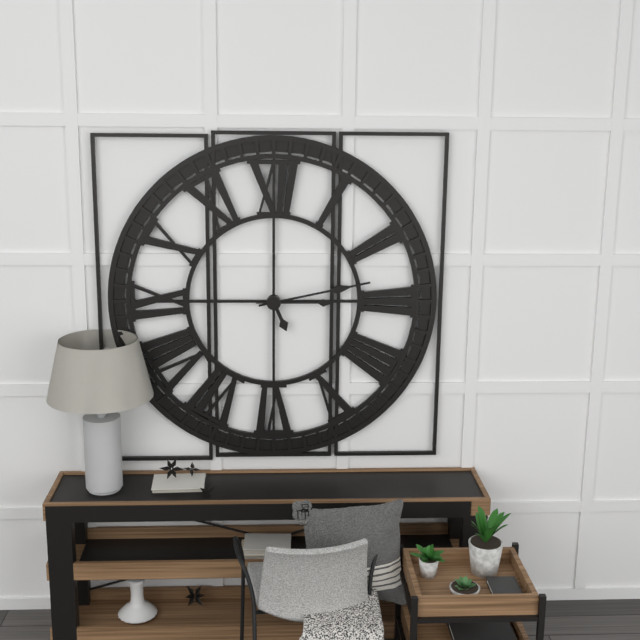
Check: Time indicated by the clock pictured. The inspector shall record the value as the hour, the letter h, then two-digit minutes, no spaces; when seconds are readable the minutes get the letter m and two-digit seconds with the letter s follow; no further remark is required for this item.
5h13m15s
